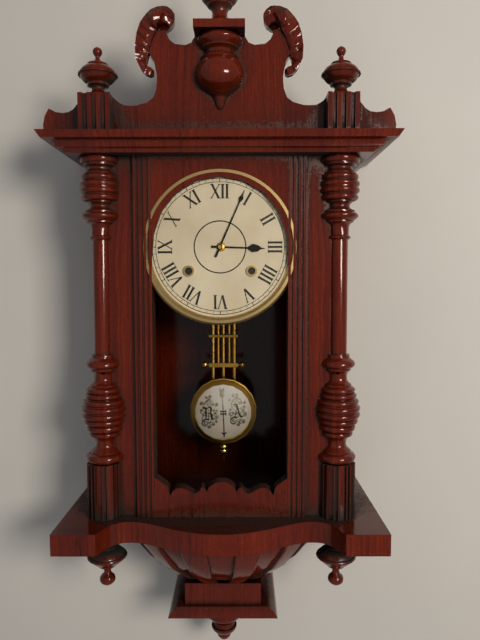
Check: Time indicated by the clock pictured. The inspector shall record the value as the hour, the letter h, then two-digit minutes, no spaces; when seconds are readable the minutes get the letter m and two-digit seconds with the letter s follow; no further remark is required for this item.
3h04
